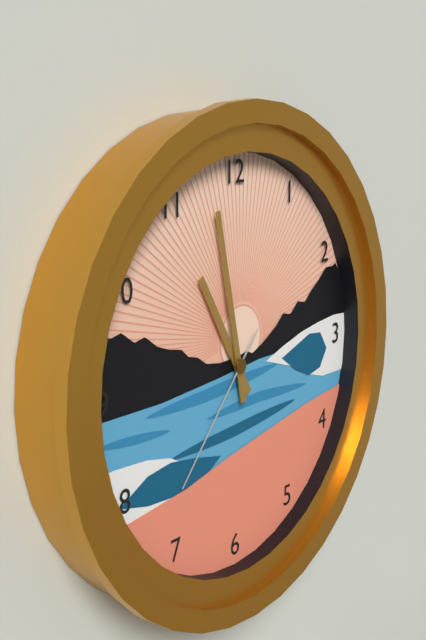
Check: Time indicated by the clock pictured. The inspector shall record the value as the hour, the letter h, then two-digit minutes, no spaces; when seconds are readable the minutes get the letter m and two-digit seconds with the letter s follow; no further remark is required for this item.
10h58m37s
